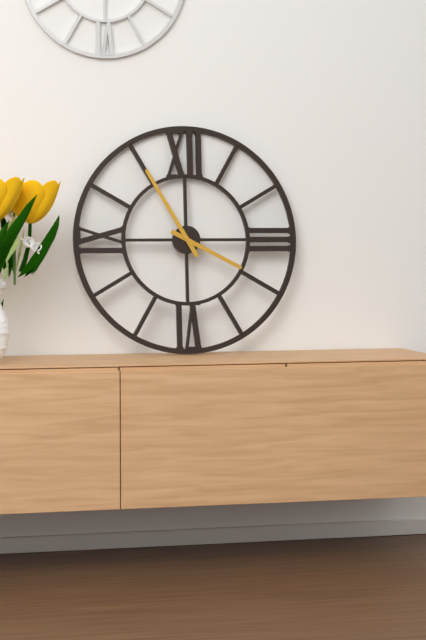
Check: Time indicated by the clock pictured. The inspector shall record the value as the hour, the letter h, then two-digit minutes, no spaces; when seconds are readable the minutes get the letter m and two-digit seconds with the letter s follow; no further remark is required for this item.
3h55
